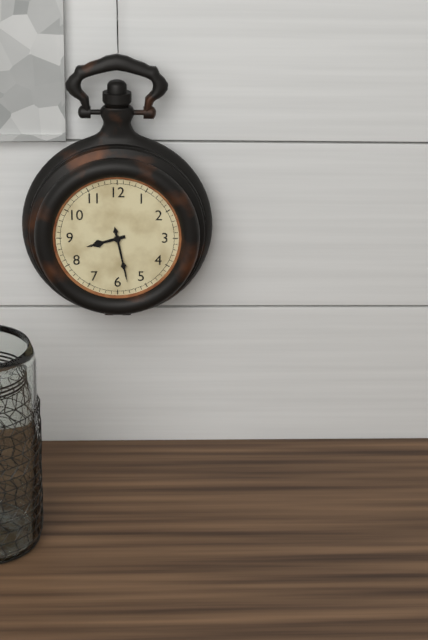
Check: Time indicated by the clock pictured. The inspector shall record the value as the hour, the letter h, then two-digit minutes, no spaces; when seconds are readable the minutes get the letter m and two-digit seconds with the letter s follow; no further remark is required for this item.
8h28
